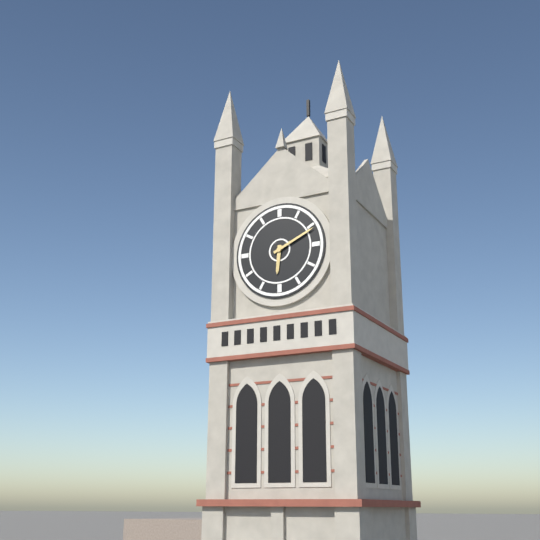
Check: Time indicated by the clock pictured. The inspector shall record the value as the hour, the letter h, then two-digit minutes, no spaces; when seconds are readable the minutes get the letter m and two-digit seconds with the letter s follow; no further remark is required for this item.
6h11
